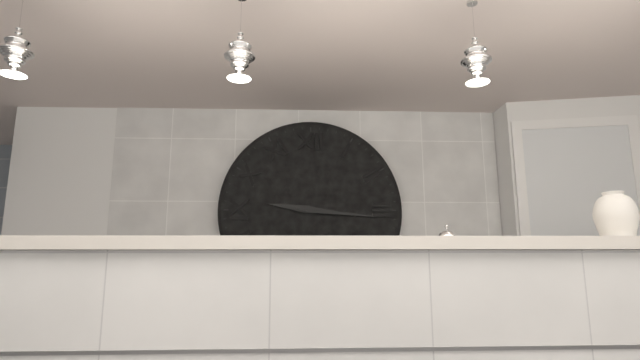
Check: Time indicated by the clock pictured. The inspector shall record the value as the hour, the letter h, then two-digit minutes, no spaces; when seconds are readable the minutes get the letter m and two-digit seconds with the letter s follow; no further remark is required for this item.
9h16
